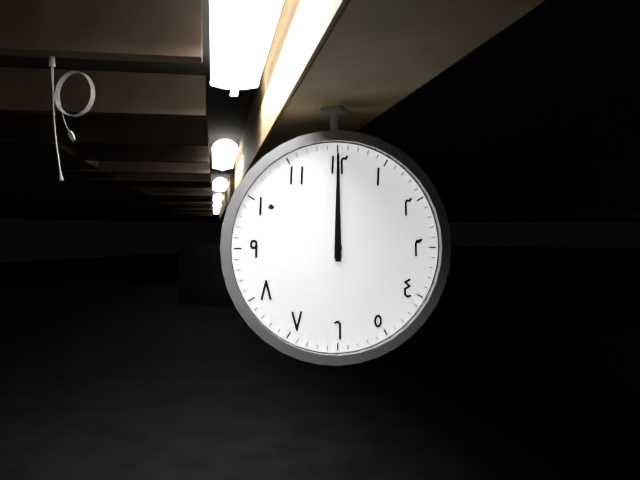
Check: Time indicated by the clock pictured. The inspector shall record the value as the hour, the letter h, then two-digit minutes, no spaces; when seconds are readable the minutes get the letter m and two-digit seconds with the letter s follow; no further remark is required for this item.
12h00
